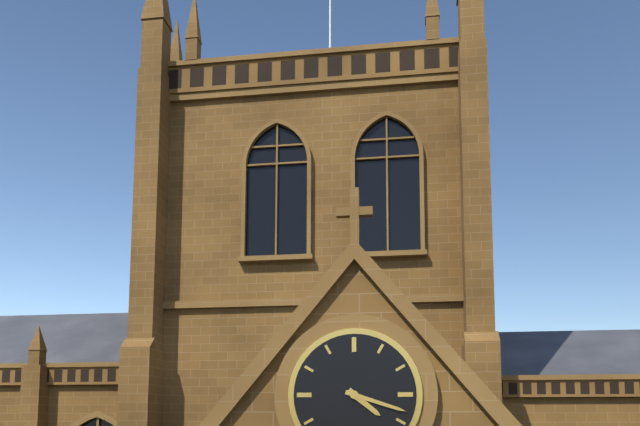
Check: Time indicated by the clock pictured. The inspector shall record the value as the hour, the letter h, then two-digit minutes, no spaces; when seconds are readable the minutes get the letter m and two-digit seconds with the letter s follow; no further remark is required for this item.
4h18
